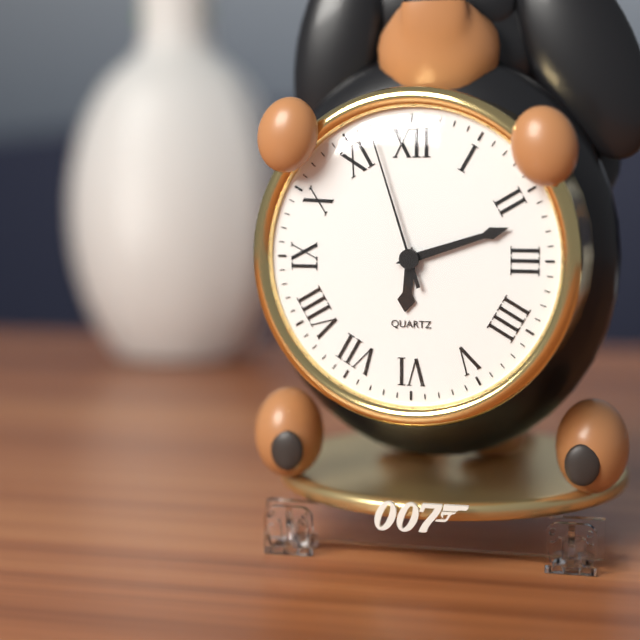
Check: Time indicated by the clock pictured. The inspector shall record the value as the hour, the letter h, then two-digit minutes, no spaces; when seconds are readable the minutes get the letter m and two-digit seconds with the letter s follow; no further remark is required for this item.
6h12m57s
